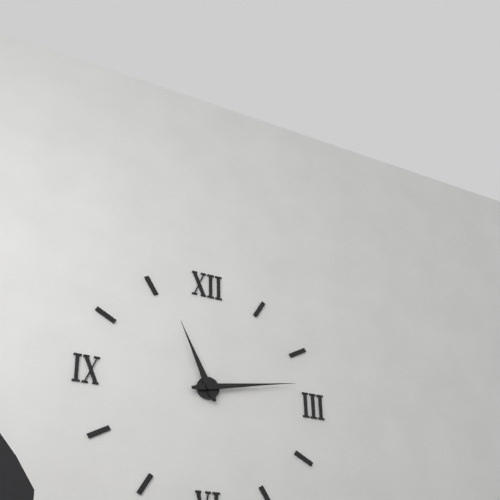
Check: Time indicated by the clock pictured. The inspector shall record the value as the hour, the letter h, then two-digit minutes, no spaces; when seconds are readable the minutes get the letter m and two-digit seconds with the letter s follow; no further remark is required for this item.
11h13
